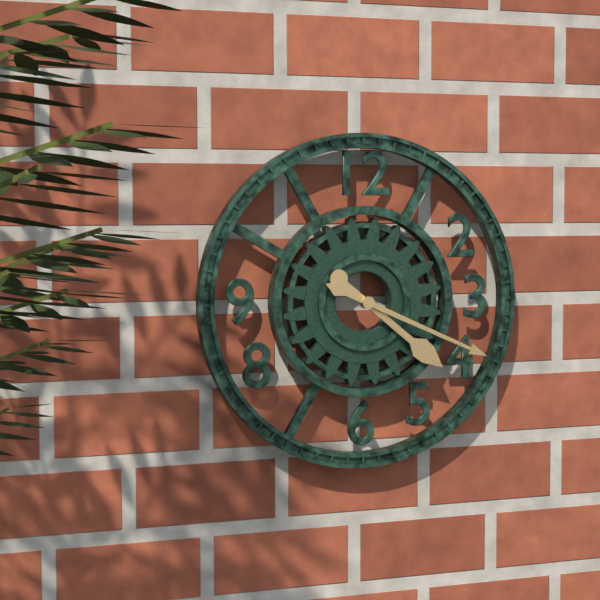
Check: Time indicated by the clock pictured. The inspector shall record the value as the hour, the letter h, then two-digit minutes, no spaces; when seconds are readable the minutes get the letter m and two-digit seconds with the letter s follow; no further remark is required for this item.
4h19
